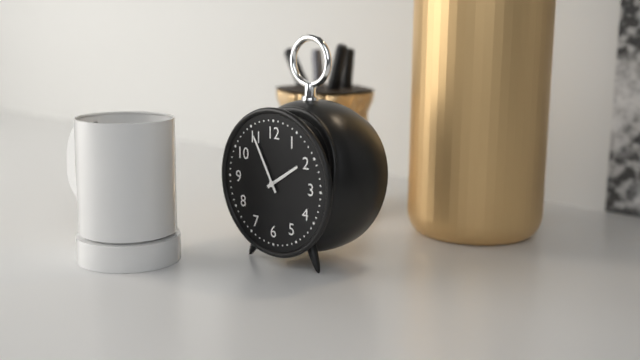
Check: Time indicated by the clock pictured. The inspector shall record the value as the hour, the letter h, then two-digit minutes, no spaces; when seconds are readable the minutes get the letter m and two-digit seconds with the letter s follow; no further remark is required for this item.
1h55
